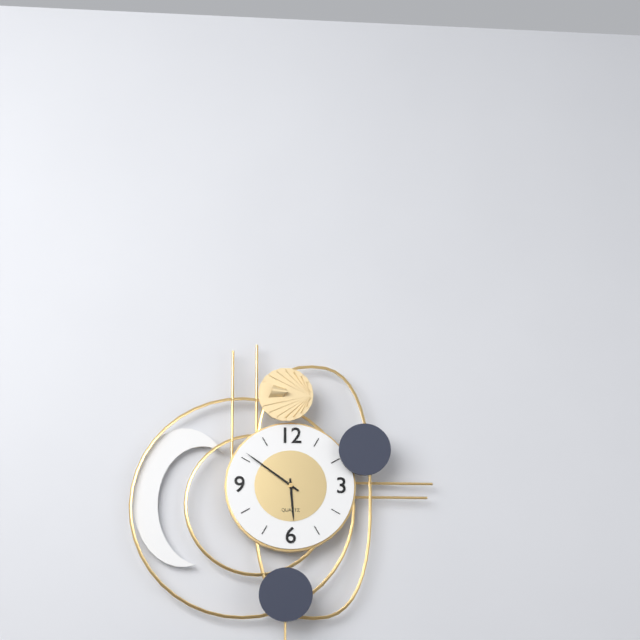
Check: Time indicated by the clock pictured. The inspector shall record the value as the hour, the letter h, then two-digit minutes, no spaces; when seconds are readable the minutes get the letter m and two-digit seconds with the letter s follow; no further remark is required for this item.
5h51
